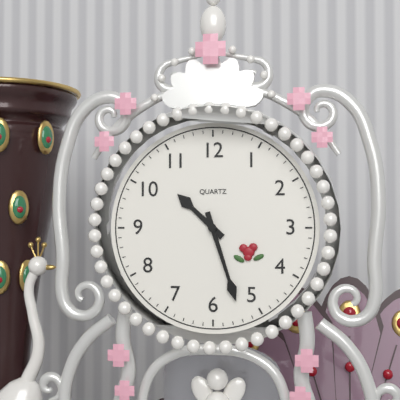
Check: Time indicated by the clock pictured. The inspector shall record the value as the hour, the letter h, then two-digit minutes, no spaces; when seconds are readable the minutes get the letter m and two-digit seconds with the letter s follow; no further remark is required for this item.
10h27
